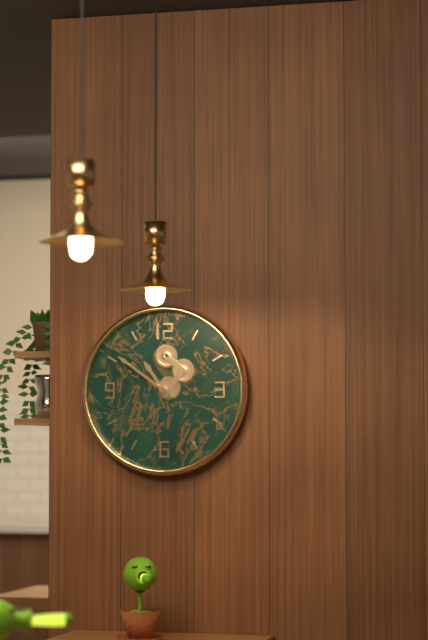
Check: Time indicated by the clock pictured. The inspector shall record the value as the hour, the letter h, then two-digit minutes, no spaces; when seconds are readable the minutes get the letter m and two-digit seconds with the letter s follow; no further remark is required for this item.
10h51
